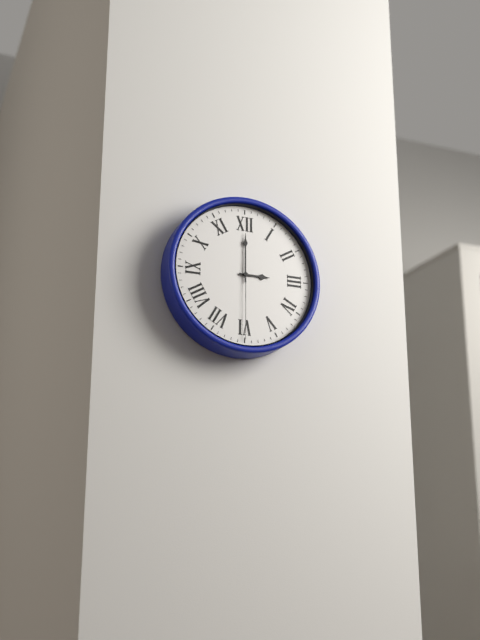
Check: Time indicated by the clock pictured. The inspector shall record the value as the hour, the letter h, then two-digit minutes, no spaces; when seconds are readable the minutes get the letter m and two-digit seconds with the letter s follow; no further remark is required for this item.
3h00m30s
